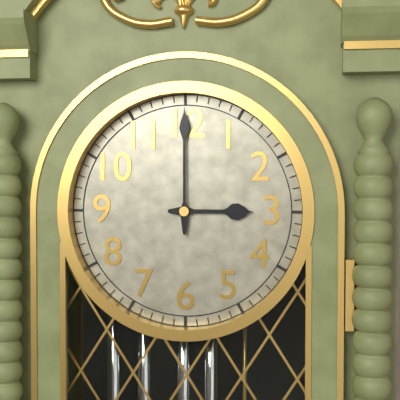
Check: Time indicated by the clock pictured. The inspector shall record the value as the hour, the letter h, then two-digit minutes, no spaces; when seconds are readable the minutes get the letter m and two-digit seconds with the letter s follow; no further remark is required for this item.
3h00
